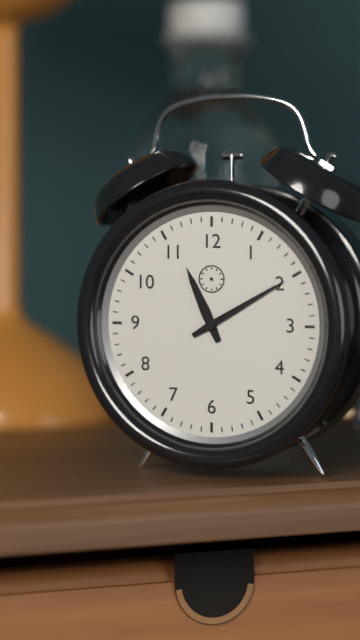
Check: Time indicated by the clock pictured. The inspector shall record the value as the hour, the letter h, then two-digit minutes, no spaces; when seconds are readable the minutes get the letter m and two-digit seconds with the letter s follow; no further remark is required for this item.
11h10
